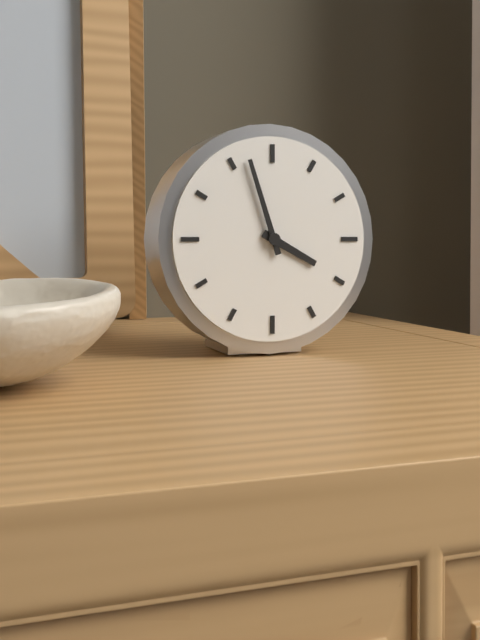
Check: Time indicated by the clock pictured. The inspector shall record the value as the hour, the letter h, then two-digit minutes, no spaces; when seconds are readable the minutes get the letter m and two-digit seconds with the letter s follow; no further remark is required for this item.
3h57
